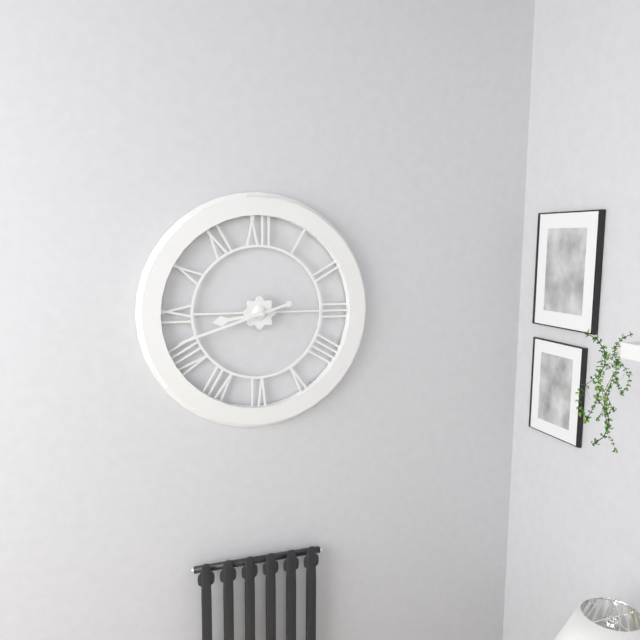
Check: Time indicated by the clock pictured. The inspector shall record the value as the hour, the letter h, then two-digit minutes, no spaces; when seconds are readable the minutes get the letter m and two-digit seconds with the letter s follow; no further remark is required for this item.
8h42
